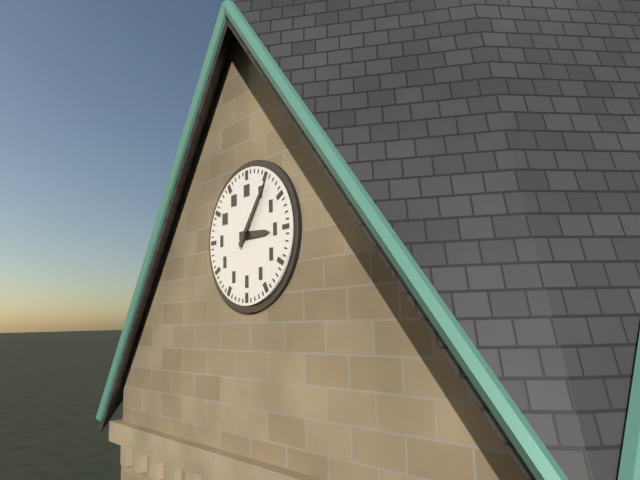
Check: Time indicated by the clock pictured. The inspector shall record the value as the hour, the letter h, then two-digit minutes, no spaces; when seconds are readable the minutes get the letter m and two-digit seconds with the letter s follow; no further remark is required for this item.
3h06
